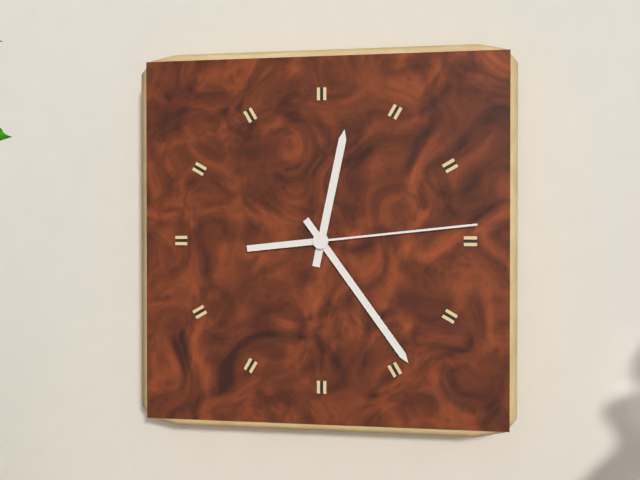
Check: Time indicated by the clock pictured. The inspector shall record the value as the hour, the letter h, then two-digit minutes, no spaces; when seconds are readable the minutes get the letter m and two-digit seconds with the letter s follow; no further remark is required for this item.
12h24m14s
